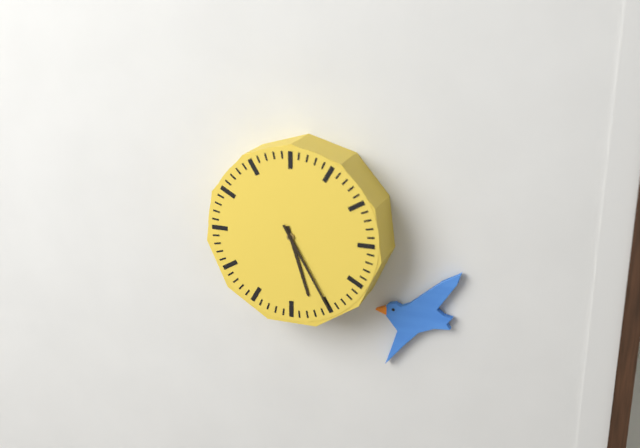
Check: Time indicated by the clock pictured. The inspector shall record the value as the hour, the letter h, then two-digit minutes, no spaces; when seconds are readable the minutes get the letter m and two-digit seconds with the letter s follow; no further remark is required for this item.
5h25
